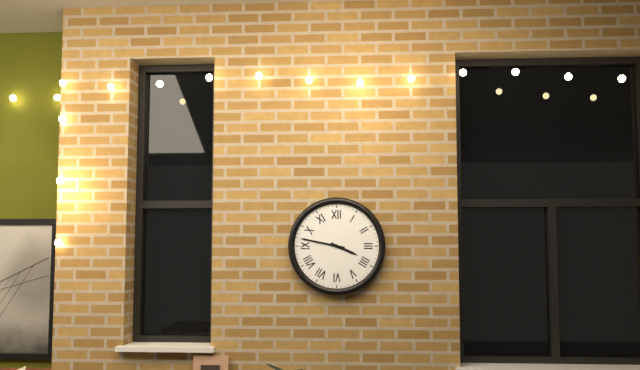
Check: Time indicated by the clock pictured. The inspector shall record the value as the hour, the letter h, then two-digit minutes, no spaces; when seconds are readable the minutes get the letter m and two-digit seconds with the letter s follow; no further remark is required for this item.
3h47
